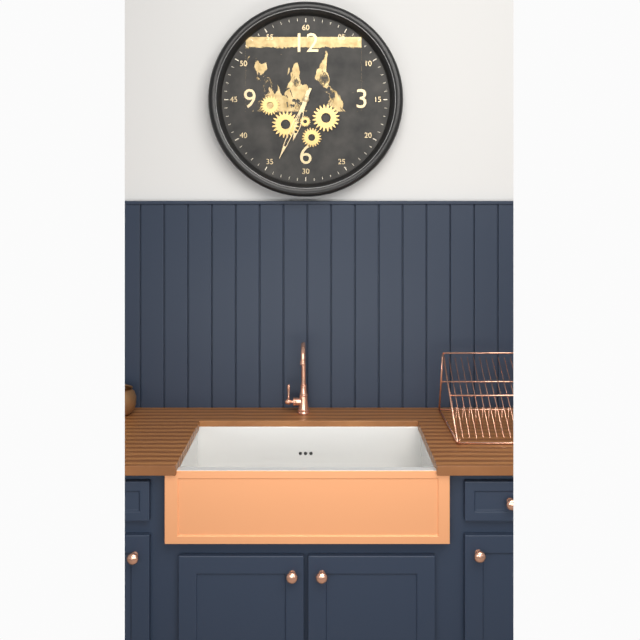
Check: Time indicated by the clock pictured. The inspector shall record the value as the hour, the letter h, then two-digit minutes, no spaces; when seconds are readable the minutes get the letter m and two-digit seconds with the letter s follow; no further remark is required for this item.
6h34
